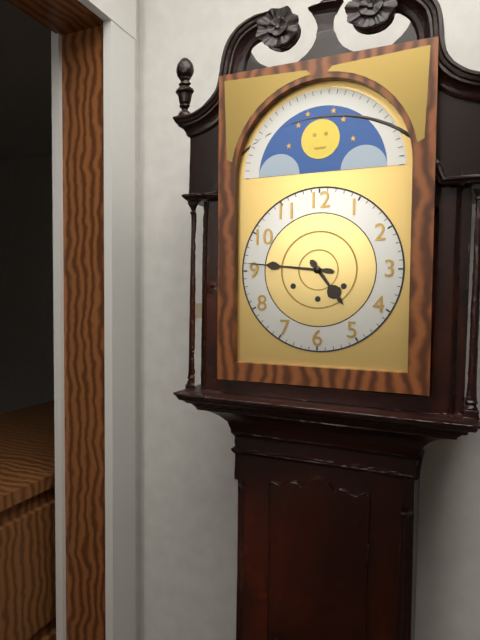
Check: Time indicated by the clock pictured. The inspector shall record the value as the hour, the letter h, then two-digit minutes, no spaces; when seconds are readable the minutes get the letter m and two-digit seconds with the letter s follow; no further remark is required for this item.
4h46
